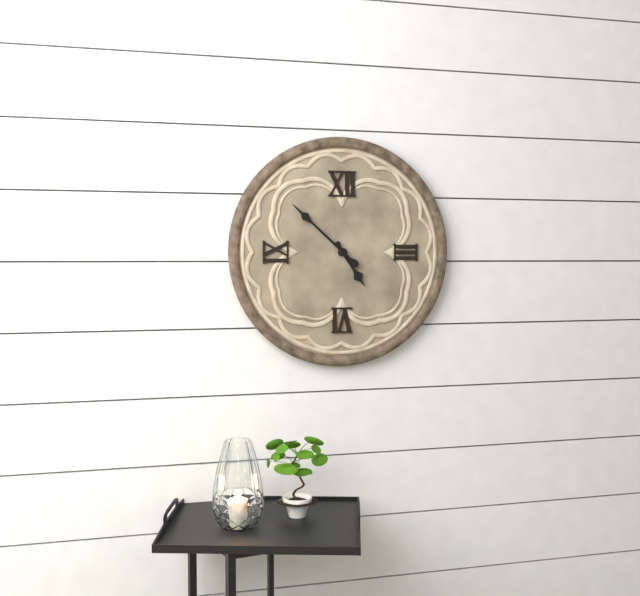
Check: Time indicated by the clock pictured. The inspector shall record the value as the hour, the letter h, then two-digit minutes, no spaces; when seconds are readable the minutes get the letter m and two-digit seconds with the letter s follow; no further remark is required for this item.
4h52
